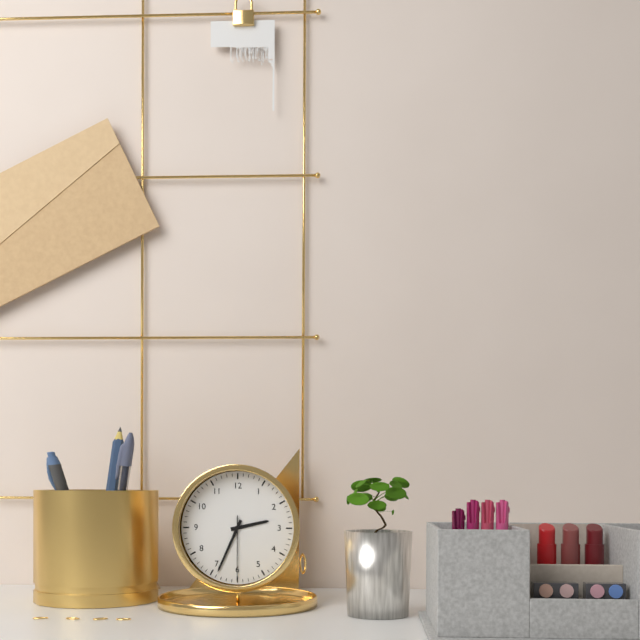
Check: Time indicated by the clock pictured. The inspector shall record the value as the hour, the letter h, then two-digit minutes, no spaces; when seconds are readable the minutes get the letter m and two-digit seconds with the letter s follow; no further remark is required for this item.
2h34m30s
